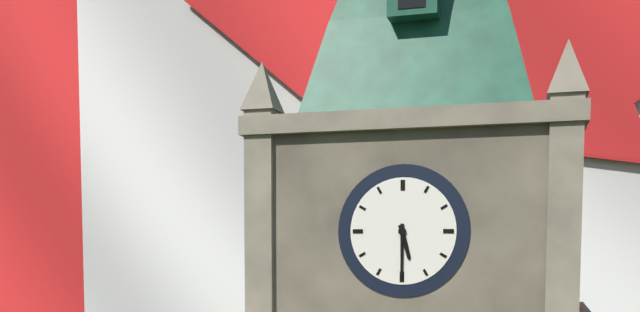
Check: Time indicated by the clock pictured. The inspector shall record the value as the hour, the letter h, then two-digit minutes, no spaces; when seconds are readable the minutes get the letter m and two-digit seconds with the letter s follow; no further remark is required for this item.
5h30
